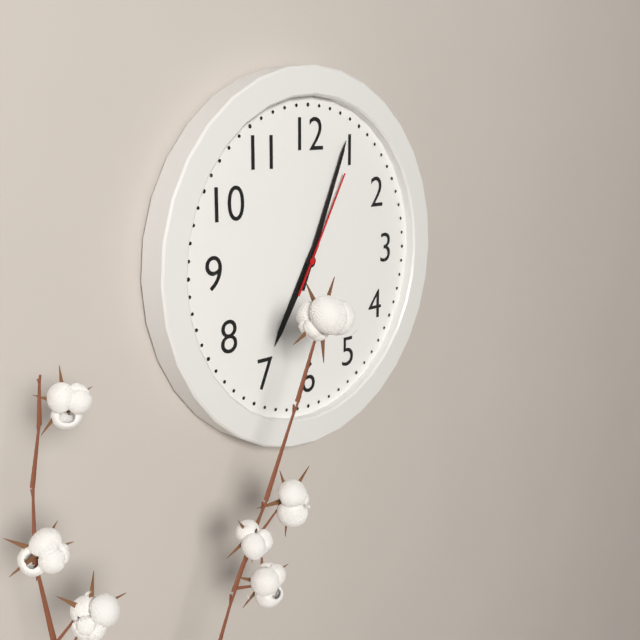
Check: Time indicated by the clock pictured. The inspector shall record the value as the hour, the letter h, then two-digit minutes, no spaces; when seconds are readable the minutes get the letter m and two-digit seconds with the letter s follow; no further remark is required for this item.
7h04m05s
